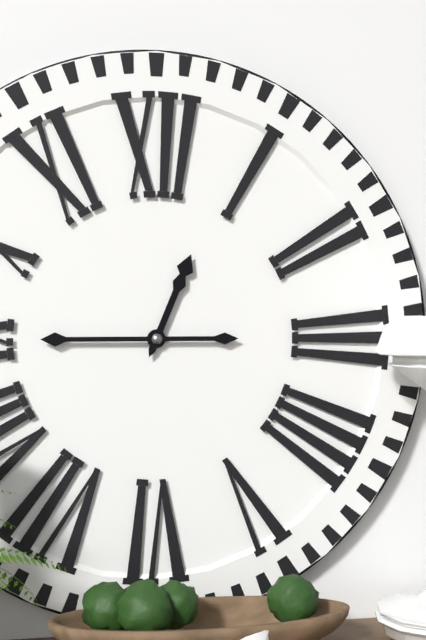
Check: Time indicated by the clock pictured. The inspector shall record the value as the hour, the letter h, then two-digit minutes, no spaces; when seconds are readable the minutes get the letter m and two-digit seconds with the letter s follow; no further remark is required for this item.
12h45
